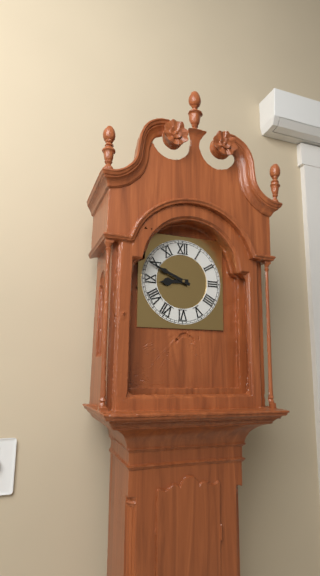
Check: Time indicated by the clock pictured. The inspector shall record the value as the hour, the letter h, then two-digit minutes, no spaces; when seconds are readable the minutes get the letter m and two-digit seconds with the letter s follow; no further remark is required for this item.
8h49
